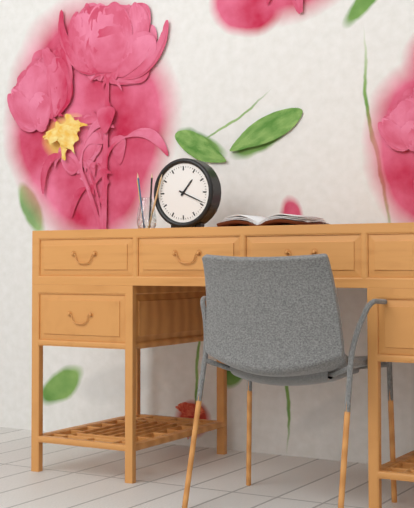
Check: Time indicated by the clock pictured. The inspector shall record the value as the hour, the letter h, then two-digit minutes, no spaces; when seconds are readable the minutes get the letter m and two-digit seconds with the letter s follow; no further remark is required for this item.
1h19
